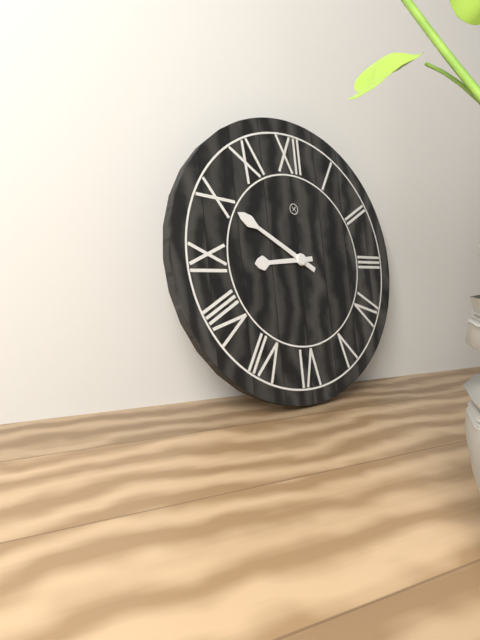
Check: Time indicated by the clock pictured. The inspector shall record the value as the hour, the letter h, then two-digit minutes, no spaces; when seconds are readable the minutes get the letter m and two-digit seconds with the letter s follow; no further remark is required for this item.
8h50
